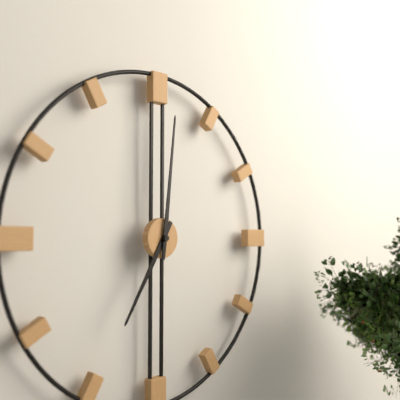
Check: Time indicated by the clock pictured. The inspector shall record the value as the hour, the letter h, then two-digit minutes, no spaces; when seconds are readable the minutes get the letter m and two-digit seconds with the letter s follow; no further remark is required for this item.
7h01
